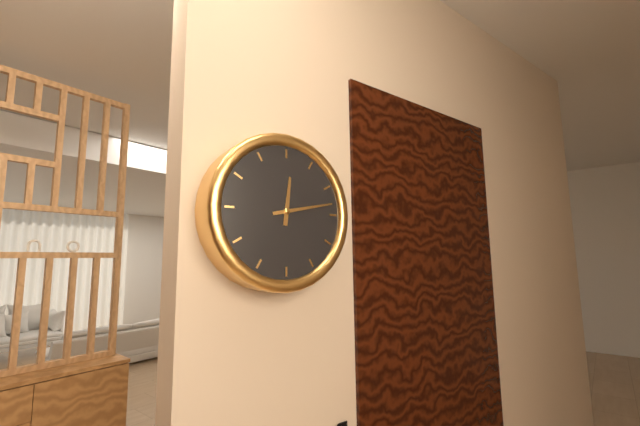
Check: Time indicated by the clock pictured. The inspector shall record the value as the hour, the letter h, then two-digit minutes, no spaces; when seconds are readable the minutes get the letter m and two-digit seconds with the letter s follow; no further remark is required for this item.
12h13
